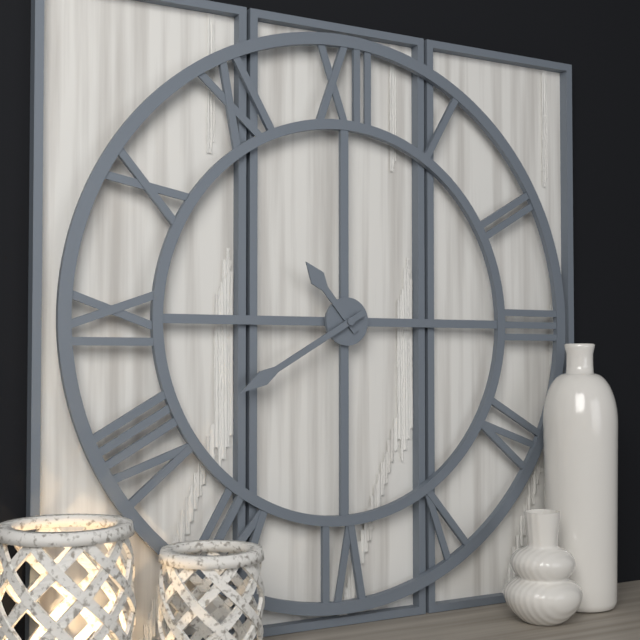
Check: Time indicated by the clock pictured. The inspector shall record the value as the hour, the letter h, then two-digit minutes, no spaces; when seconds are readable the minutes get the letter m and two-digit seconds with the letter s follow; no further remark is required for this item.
10h40
